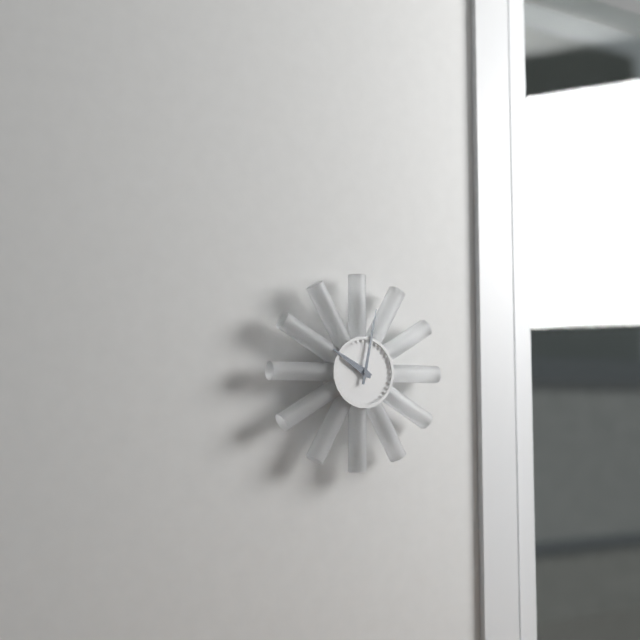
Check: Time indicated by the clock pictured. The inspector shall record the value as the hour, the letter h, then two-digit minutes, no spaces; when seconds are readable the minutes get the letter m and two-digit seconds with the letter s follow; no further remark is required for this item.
10h02
